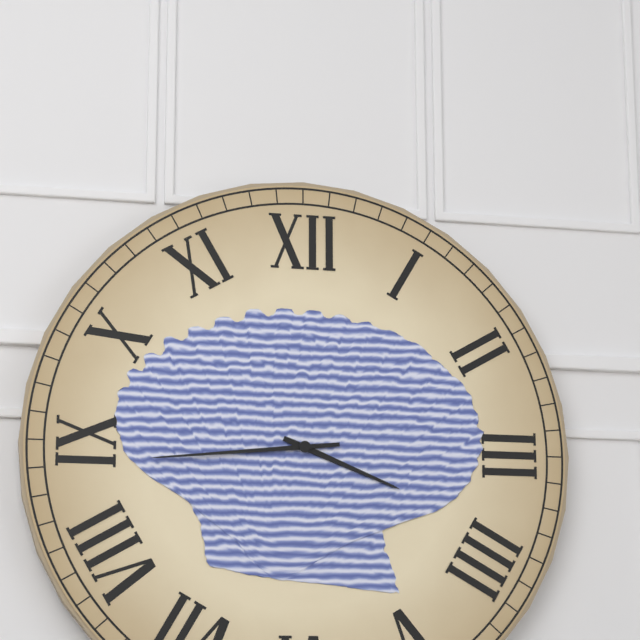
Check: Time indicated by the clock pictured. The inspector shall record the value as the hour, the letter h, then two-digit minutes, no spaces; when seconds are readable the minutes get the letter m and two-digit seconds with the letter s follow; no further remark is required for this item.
3h44
